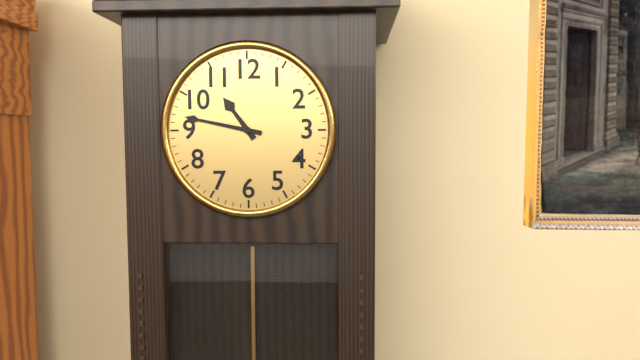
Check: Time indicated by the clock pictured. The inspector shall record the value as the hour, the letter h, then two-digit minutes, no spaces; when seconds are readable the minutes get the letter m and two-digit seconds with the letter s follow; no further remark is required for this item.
10h47
